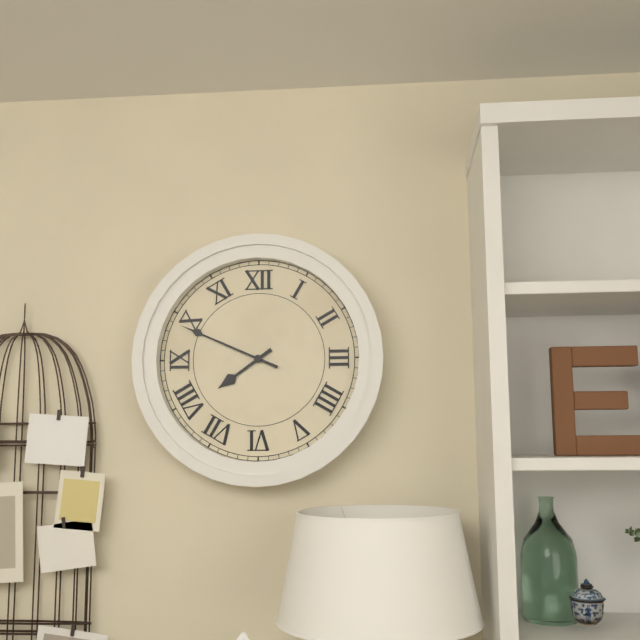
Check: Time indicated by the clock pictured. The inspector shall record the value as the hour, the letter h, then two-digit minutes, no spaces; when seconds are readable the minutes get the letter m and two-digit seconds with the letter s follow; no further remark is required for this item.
7h49
